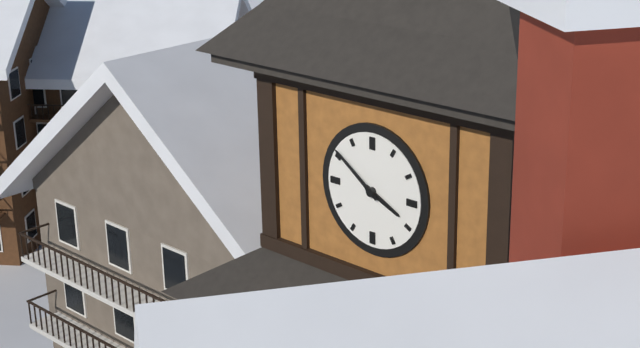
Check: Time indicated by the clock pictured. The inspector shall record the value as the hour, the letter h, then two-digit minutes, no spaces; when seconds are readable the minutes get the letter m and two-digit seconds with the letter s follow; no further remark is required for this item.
3h51
